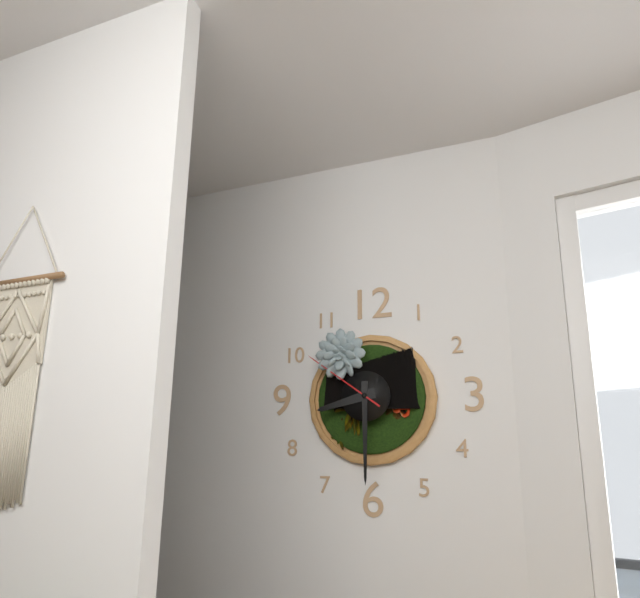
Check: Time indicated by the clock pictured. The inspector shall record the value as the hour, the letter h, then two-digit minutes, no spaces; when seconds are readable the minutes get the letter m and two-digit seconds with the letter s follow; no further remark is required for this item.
8h30m51s
